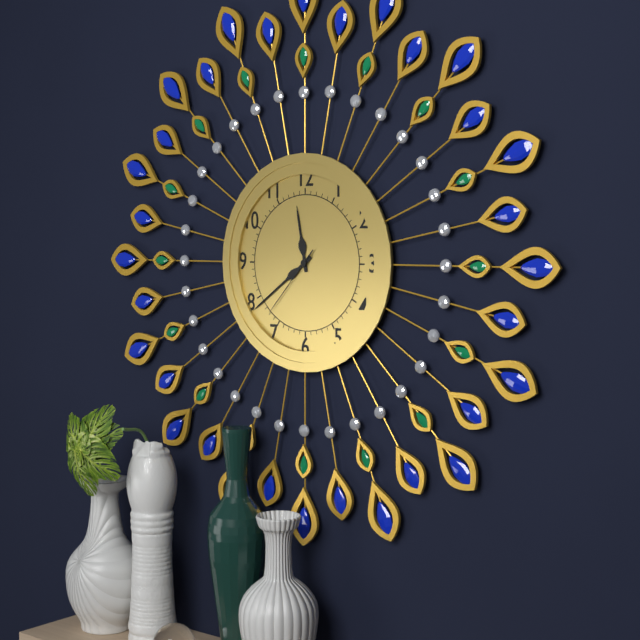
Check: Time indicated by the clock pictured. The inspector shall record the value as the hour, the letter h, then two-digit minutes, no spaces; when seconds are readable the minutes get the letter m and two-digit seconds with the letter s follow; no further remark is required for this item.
11h39m37s
